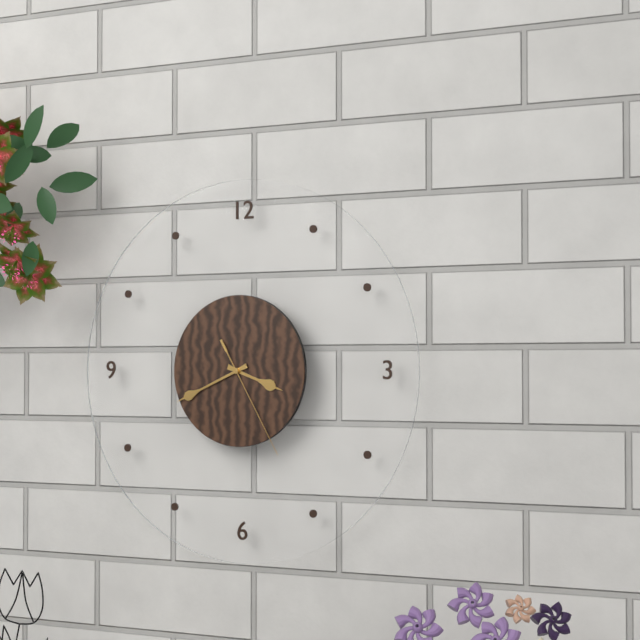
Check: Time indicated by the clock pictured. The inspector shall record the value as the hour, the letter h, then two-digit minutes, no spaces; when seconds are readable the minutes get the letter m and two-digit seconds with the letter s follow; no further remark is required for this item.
3h41m25s
